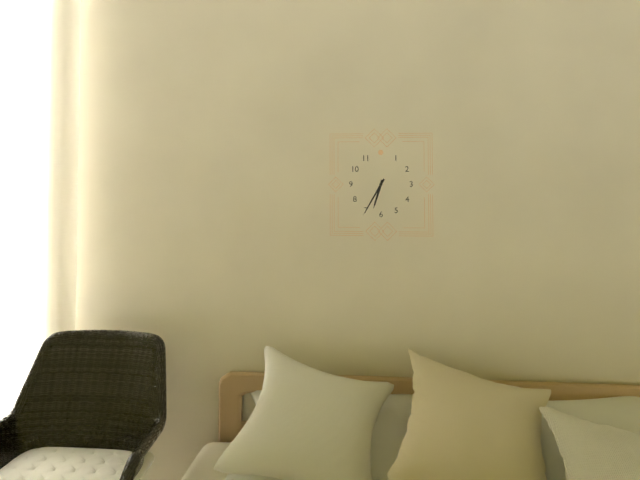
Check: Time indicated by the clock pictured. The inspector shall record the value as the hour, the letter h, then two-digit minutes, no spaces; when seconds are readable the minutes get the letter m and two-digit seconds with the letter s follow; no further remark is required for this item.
6h35
